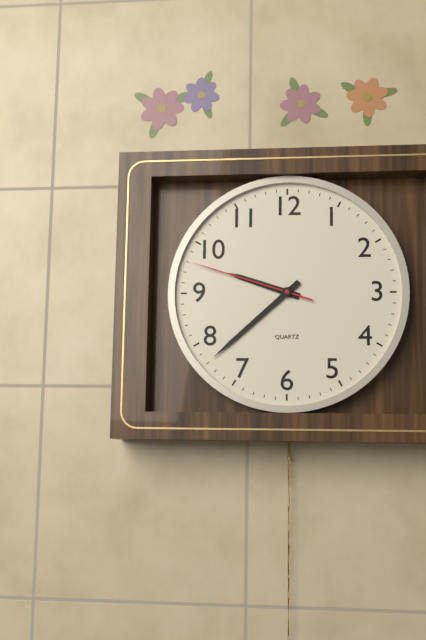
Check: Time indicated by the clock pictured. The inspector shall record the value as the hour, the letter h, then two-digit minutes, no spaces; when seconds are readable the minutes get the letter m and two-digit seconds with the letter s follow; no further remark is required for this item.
9h38m48s
